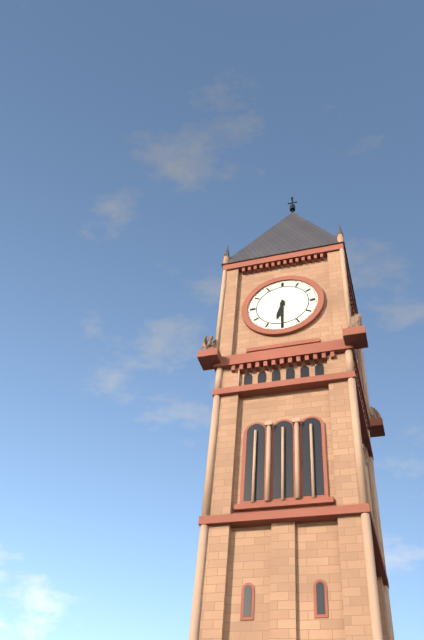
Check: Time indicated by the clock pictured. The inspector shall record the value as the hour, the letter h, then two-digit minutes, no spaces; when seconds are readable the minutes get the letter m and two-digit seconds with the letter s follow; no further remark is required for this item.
6h30
